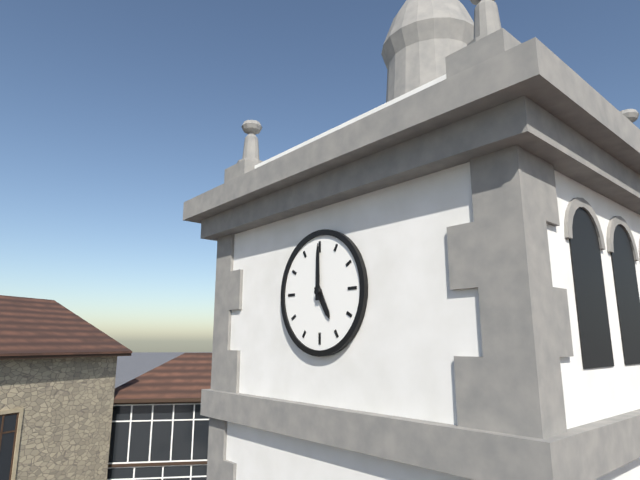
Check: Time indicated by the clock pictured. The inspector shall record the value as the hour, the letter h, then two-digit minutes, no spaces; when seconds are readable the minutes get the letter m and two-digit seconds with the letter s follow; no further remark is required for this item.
5h00
